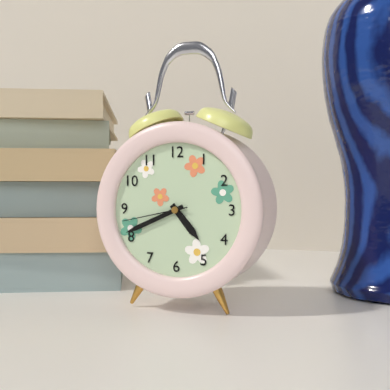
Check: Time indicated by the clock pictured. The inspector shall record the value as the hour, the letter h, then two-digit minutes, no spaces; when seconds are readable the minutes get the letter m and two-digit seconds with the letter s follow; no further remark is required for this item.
4h41m43s
